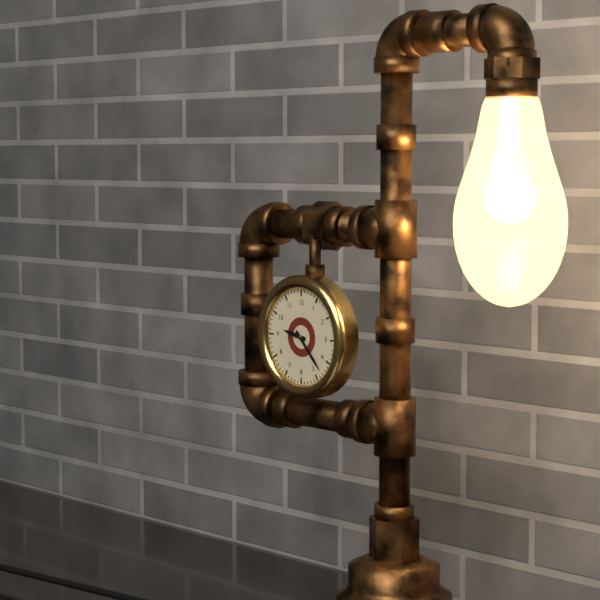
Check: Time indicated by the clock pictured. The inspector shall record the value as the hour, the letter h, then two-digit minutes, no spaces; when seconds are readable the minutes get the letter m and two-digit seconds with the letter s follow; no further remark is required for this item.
9h23
